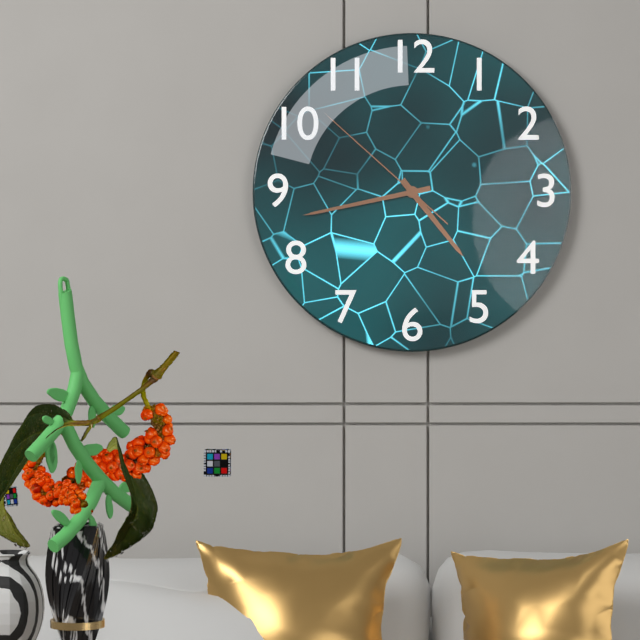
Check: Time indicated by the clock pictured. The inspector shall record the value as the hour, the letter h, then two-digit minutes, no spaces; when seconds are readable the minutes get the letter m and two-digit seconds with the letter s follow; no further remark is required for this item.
4h43m52s
